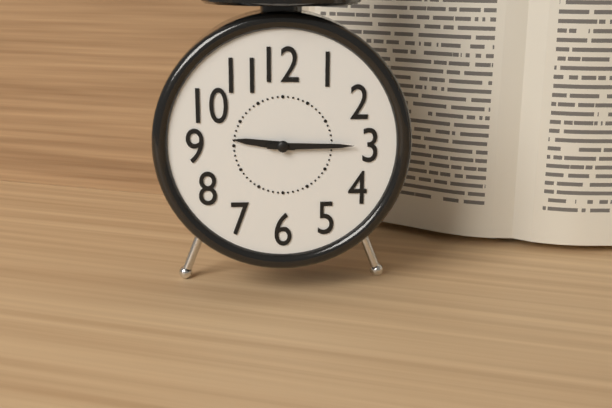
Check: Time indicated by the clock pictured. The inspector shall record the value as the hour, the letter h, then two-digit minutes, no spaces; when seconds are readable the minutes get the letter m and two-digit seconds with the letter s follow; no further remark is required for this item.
9h15
